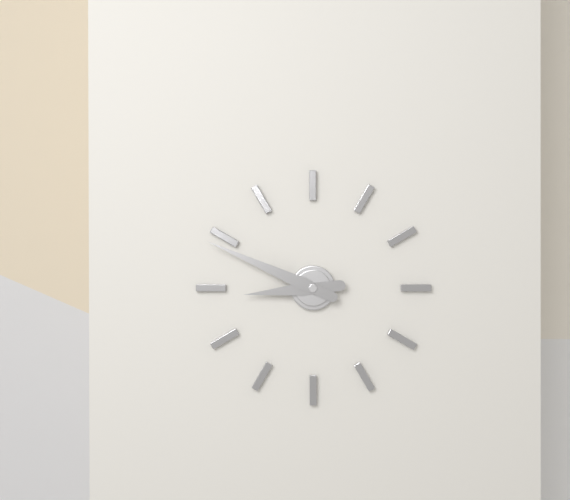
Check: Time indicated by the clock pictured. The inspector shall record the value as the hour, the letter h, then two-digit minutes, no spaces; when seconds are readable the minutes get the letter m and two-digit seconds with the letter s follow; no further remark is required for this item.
8h49
